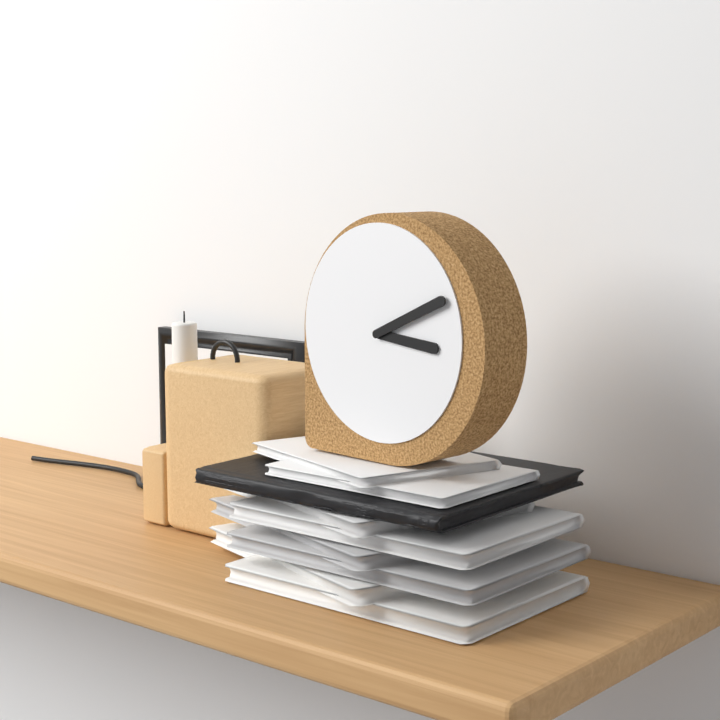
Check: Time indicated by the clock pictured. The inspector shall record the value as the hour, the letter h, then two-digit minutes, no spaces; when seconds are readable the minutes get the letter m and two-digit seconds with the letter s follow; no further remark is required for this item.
3h11
